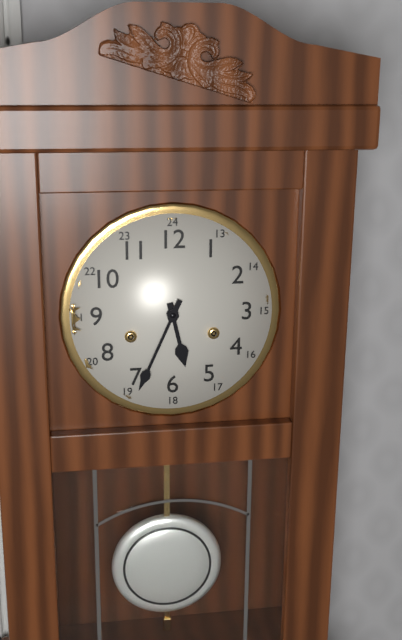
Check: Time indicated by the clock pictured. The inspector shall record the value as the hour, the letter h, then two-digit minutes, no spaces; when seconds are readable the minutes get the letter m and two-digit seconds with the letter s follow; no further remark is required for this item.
5h34
